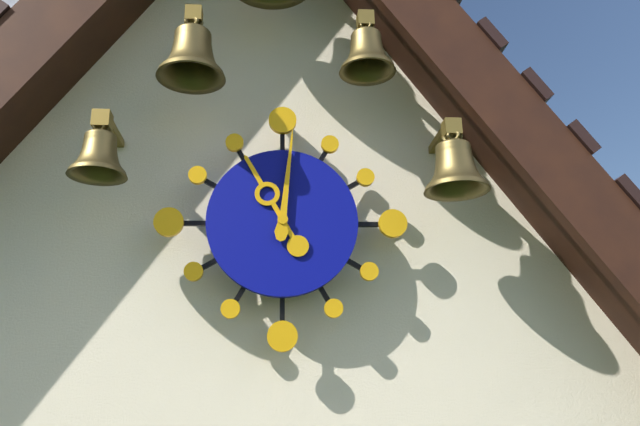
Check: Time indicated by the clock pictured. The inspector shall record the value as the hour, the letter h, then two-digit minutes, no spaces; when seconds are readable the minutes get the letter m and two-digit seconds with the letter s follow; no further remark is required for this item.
11h01
